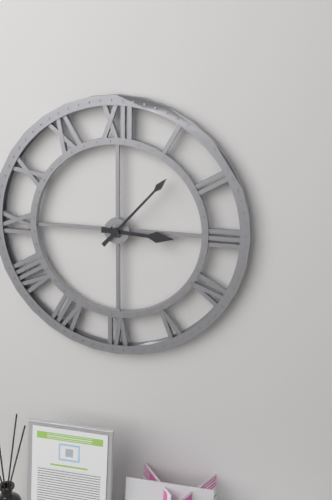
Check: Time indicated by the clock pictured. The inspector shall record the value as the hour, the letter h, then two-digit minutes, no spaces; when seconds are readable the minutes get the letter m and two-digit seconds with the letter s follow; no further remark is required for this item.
3h07
